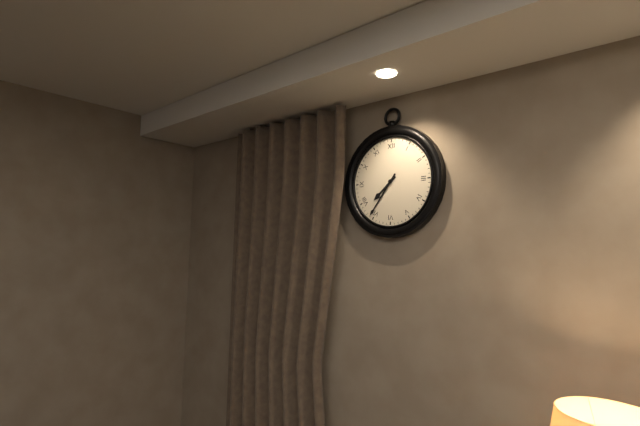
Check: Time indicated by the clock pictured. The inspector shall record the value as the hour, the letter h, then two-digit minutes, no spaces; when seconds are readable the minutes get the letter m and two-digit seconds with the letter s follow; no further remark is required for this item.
7h36
